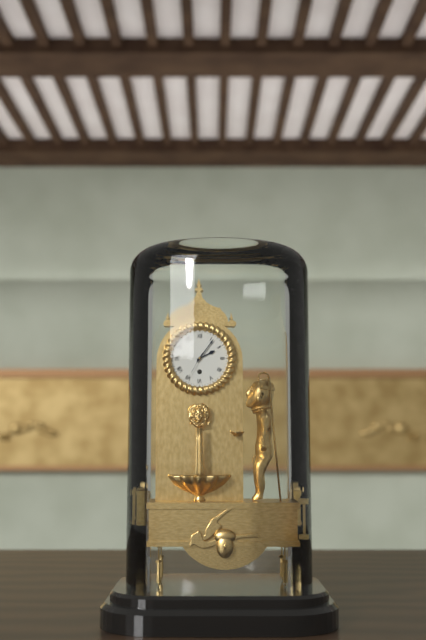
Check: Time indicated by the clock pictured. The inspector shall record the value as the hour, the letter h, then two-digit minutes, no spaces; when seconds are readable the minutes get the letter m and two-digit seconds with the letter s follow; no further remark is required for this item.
2h06
